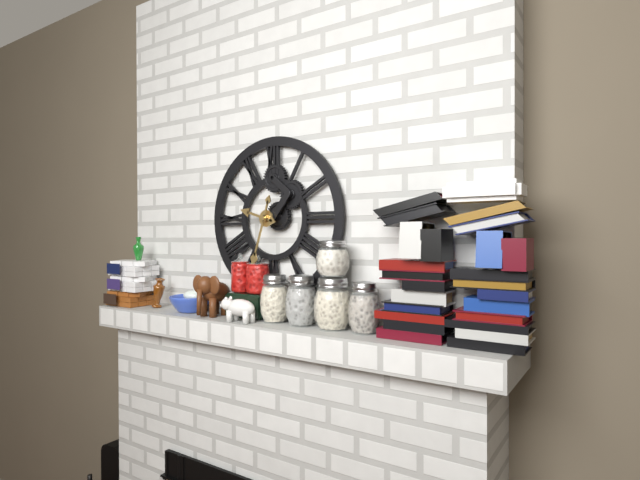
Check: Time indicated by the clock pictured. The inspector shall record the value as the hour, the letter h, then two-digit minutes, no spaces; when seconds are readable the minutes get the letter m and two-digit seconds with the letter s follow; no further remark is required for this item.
9h33
